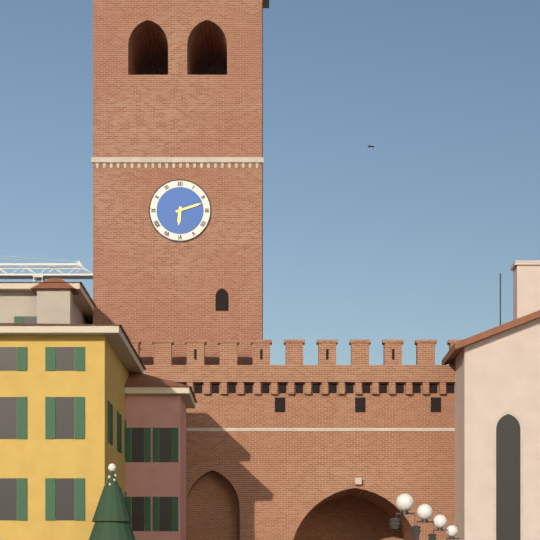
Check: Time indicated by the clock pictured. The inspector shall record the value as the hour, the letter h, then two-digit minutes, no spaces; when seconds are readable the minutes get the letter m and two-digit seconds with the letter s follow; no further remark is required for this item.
6h12
